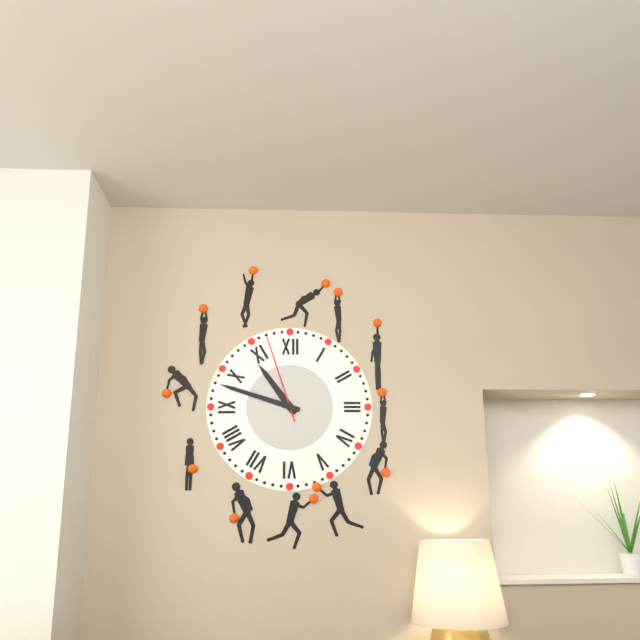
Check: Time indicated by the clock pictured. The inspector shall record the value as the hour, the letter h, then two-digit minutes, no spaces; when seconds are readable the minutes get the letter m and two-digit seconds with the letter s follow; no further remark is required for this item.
10h48m57s
